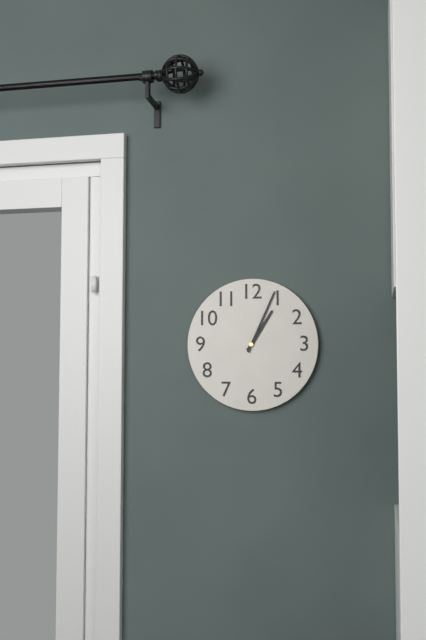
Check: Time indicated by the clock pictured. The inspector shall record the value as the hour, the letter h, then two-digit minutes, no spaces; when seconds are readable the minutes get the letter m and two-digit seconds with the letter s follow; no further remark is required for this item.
1h04
